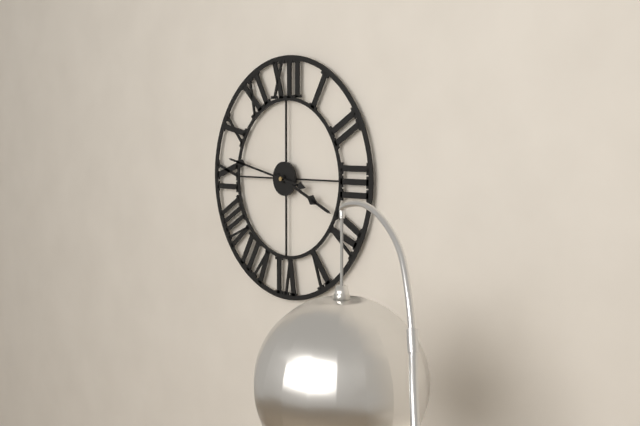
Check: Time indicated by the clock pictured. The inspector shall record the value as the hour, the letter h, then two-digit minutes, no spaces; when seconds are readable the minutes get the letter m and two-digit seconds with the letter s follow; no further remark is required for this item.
3h47
